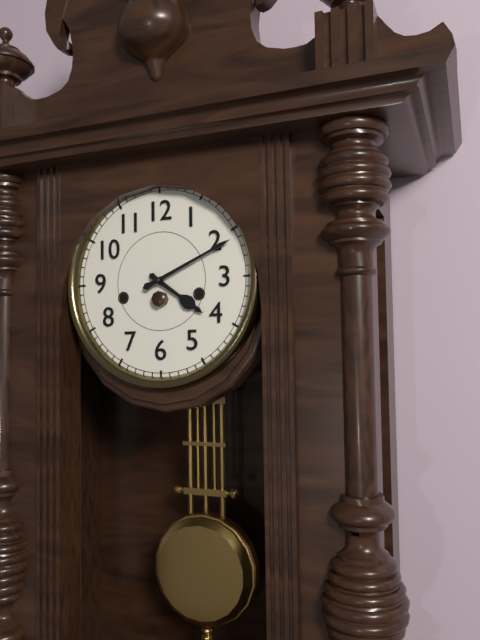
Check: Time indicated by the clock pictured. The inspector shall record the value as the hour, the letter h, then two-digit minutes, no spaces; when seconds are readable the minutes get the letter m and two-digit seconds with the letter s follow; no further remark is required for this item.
4h11
